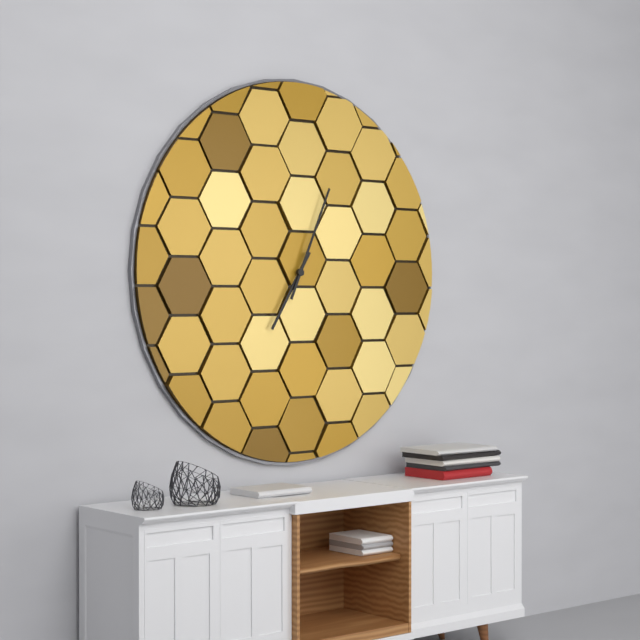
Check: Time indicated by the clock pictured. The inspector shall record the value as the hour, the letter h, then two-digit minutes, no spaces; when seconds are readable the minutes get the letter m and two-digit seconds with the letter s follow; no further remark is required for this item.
7h04
